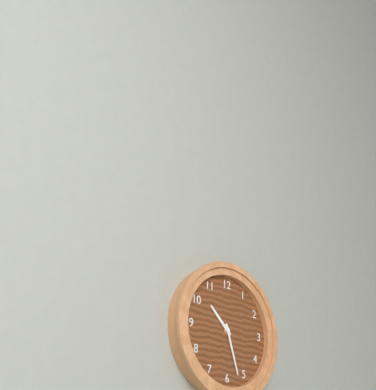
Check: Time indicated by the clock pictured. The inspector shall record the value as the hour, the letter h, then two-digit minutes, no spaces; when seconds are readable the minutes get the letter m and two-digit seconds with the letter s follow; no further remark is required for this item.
10h27
